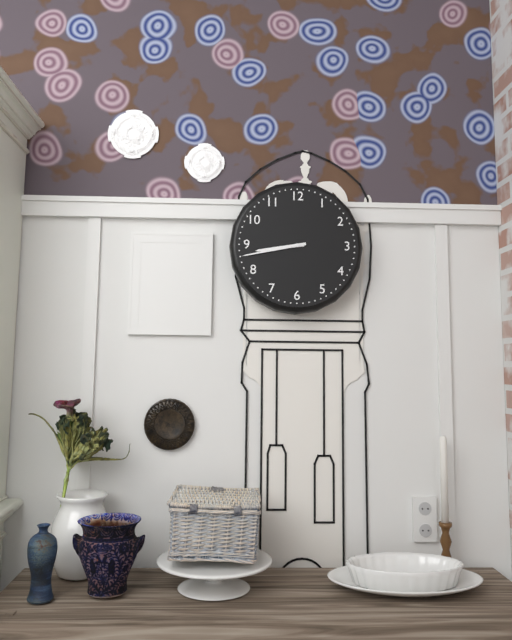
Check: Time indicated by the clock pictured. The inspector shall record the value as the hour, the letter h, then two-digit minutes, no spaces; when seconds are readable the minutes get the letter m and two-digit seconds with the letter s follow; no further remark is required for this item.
8h43
